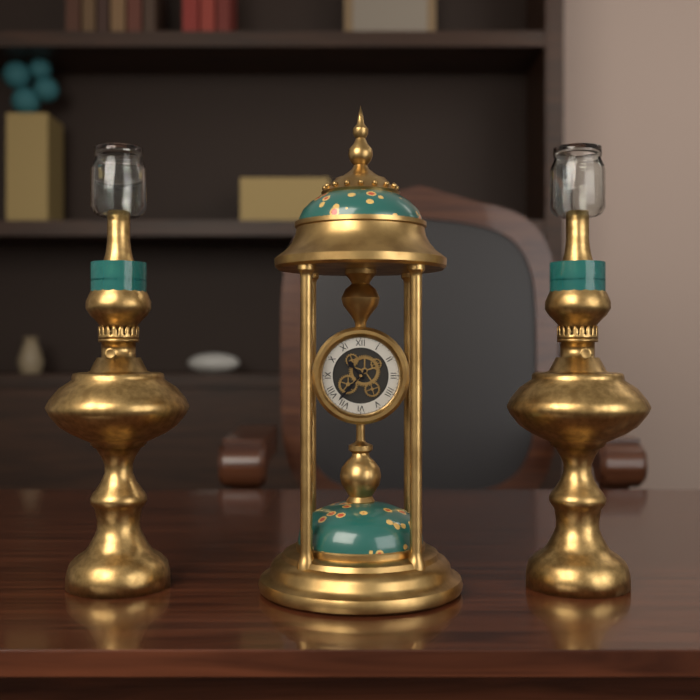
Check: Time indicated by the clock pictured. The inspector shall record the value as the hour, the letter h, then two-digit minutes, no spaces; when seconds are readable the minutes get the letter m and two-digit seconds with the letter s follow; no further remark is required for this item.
10h37
